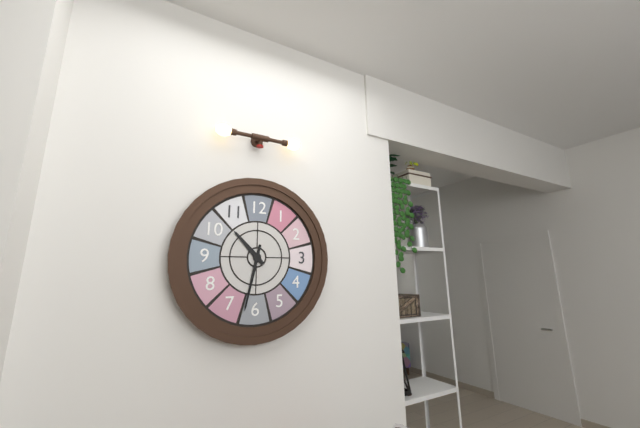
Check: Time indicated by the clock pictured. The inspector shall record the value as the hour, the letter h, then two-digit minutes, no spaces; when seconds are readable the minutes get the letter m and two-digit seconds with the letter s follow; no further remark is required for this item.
10h32
